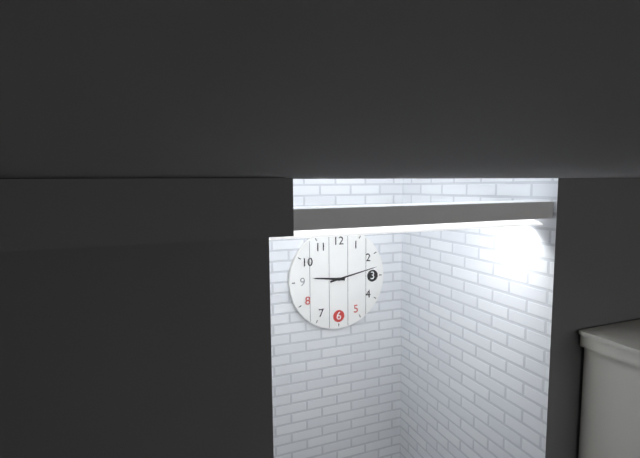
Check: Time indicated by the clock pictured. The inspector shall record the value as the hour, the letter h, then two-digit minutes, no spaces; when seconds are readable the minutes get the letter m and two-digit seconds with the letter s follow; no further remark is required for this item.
9h13
